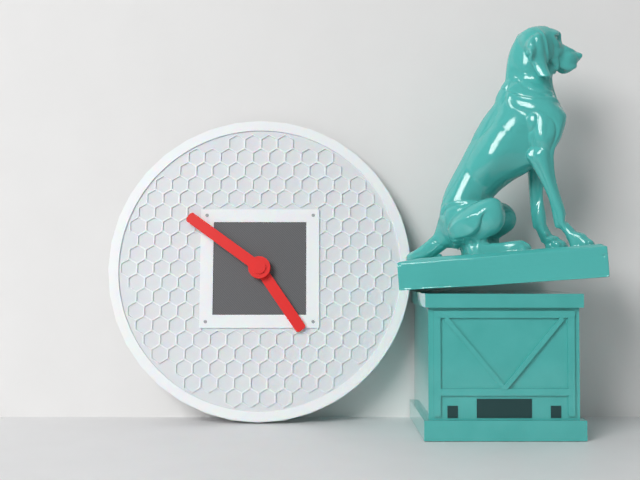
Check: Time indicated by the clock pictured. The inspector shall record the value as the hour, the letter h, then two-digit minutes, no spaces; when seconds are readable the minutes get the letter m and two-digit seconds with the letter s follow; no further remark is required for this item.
4h51
